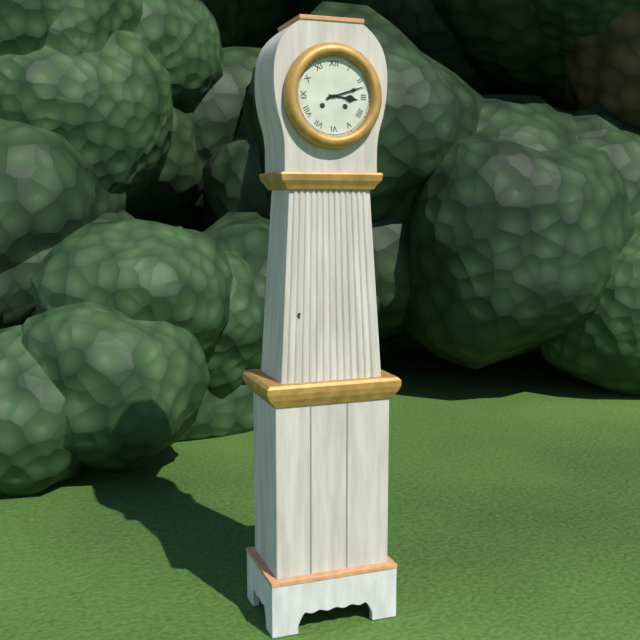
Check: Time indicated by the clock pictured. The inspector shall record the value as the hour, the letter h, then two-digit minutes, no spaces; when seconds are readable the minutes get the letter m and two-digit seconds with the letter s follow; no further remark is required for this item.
3h12
